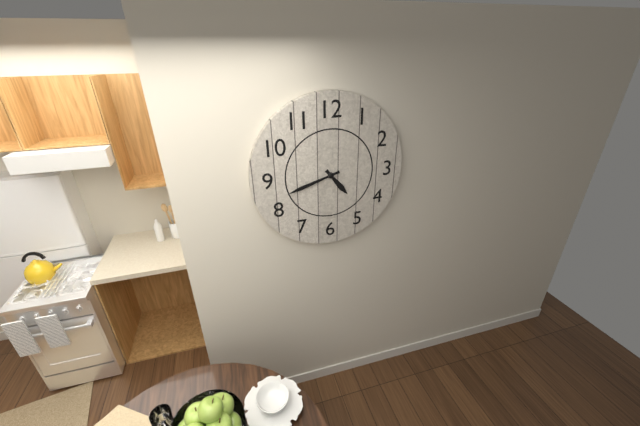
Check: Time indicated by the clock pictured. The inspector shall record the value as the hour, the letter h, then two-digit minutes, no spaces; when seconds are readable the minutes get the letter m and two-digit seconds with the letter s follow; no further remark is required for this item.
4h42
